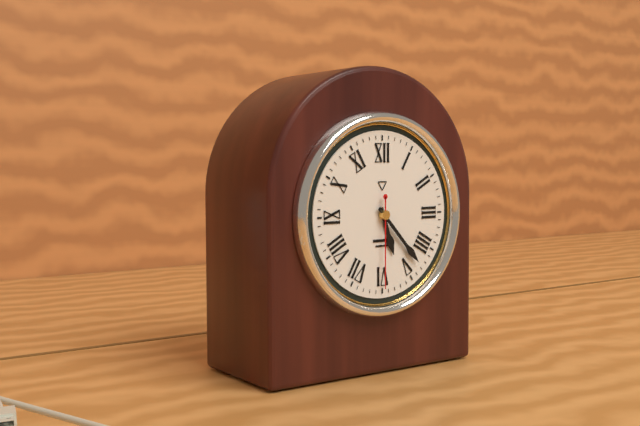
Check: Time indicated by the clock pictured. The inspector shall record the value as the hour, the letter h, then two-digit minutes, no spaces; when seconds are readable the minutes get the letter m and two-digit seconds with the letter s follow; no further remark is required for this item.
5h23m30s
